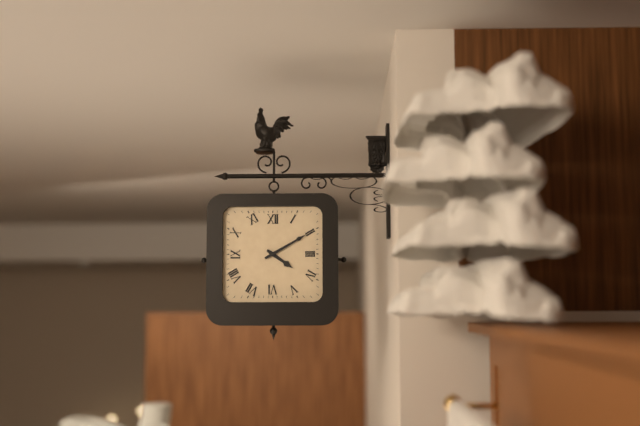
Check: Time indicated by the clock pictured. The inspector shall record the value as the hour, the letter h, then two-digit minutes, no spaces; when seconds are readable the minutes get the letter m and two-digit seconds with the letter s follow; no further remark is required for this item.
4h10
